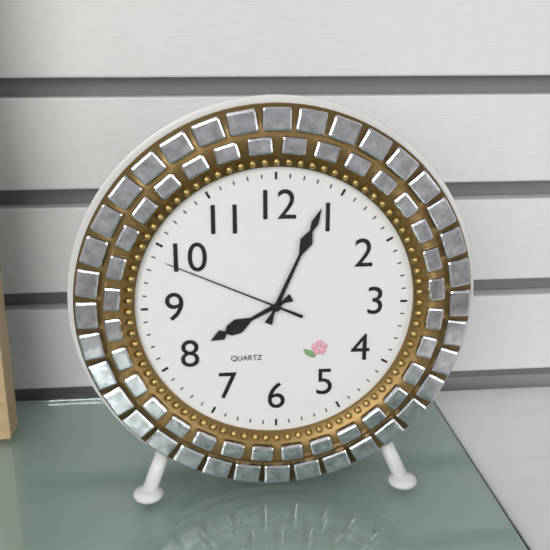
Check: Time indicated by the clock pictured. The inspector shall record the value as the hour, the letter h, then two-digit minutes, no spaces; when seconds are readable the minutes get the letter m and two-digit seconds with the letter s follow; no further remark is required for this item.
8h04m49s
